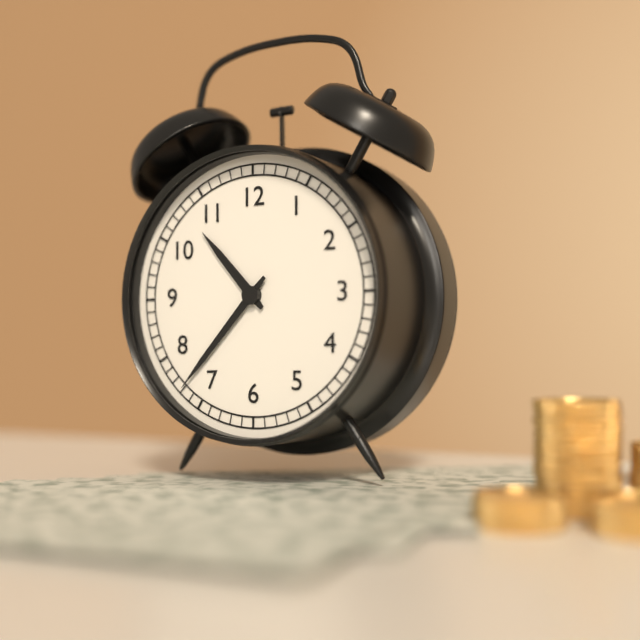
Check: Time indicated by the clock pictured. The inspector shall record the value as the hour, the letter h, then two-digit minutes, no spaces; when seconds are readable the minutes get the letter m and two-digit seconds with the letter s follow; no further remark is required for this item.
10h37
